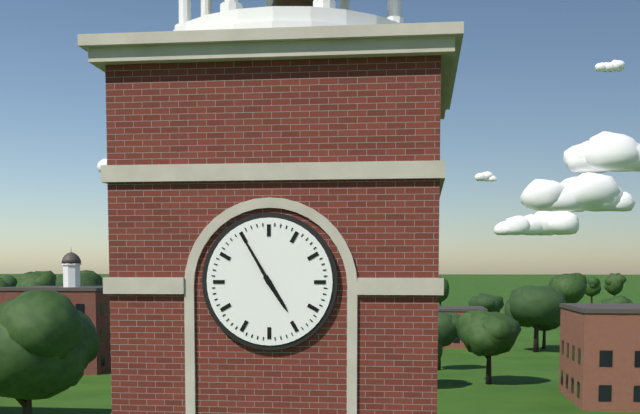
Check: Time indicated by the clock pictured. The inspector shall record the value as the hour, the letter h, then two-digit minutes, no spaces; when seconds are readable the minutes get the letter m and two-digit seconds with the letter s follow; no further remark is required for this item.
4h55
